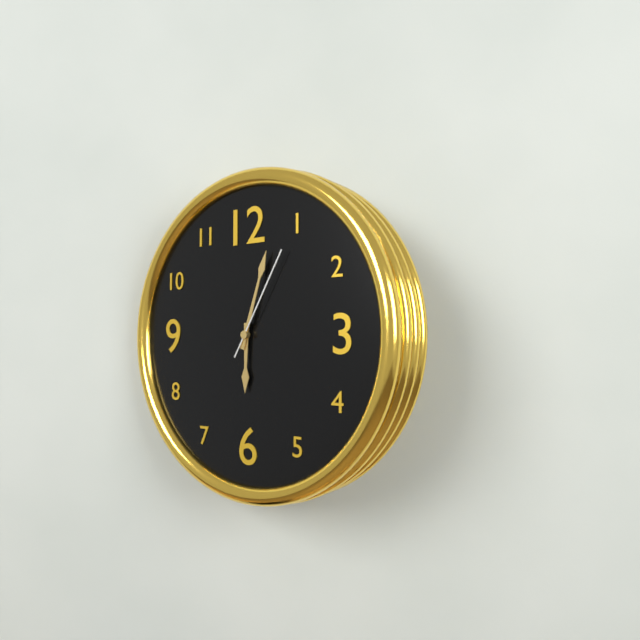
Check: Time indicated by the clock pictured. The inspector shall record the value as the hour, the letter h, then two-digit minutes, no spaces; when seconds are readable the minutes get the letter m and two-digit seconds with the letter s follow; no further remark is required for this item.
6h03m05s
